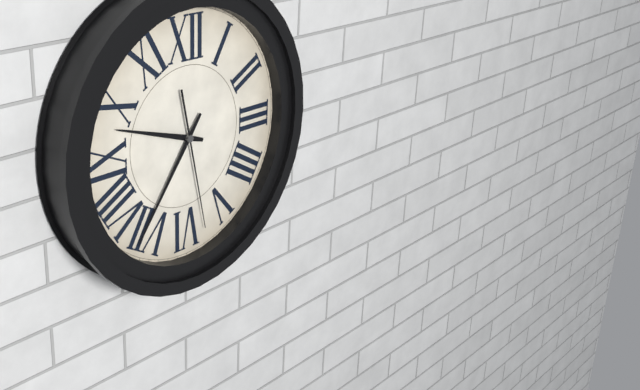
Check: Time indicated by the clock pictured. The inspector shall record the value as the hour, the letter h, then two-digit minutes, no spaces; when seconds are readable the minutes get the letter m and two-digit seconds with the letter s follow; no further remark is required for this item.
9h36m28s
